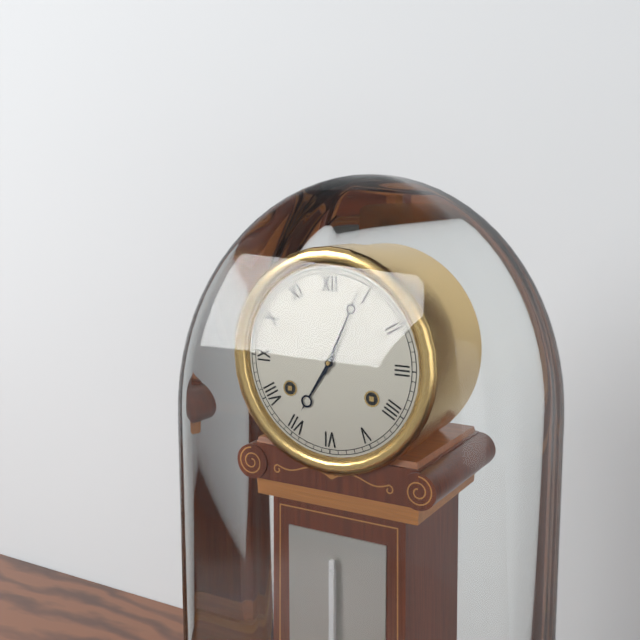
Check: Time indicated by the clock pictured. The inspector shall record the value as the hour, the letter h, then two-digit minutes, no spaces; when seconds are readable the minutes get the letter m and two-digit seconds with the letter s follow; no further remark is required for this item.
7h04
